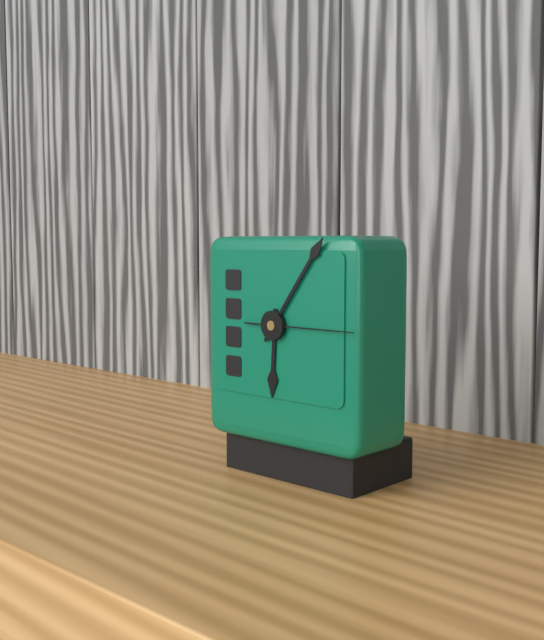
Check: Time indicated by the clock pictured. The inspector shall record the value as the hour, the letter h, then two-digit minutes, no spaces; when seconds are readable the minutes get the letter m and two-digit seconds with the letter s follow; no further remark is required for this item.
6h06m15s
